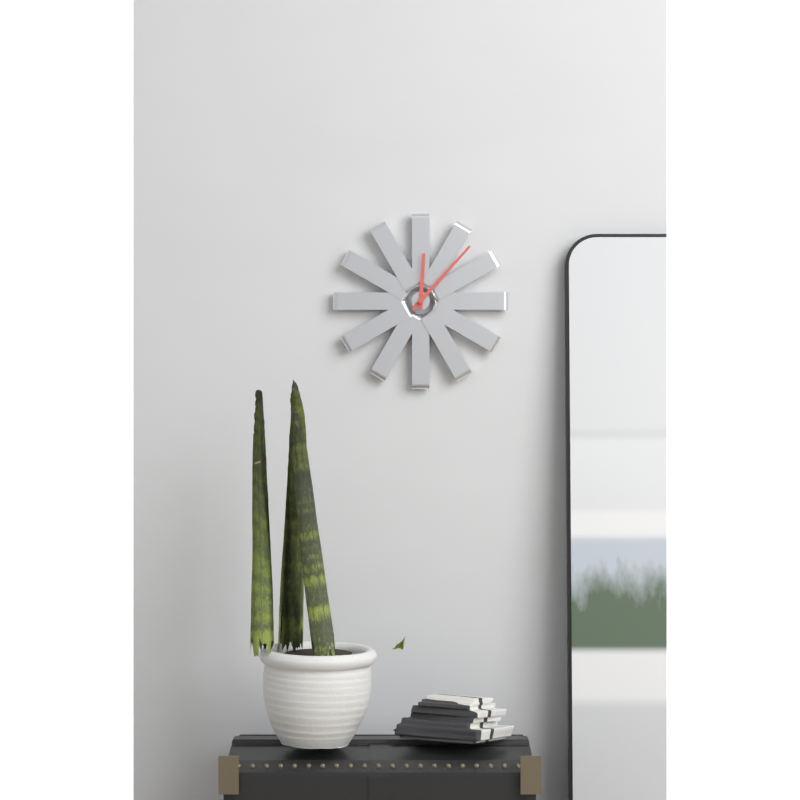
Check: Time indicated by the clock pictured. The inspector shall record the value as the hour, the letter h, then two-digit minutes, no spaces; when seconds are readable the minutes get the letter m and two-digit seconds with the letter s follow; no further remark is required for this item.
12h07
